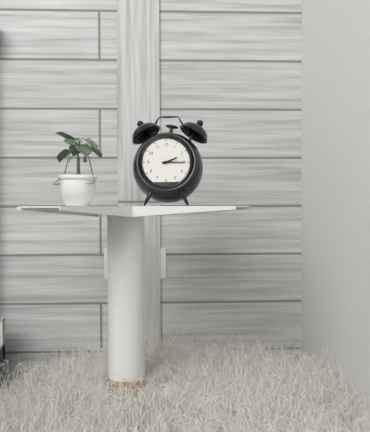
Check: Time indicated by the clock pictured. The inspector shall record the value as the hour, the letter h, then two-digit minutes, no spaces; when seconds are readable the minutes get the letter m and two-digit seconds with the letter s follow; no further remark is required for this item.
2h15
